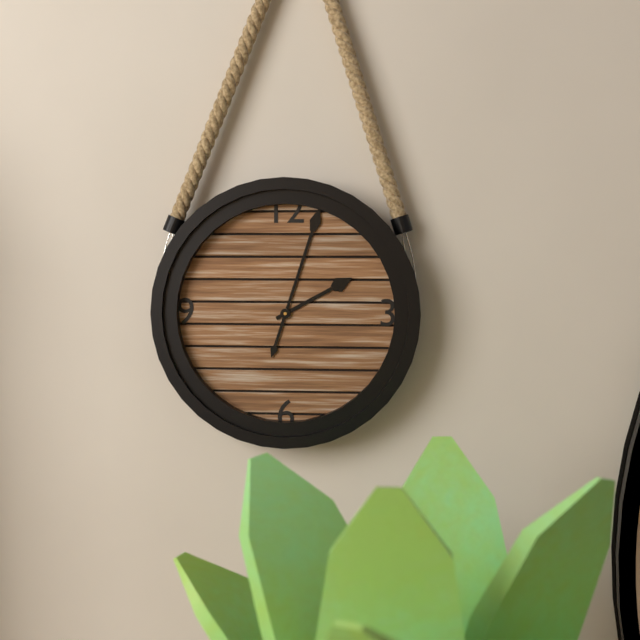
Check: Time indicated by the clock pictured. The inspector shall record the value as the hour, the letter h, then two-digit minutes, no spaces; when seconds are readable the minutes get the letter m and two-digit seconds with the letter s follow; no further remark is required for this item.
2h03
